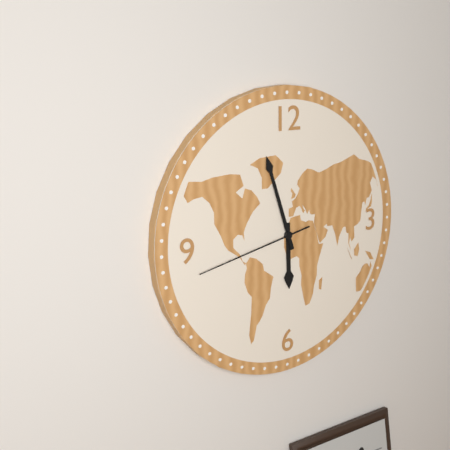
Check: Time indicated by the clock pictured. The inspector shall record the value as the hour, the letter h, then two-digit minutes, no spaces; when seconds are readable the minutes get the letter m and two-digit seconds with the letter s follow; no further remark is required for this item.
5h57m43s
